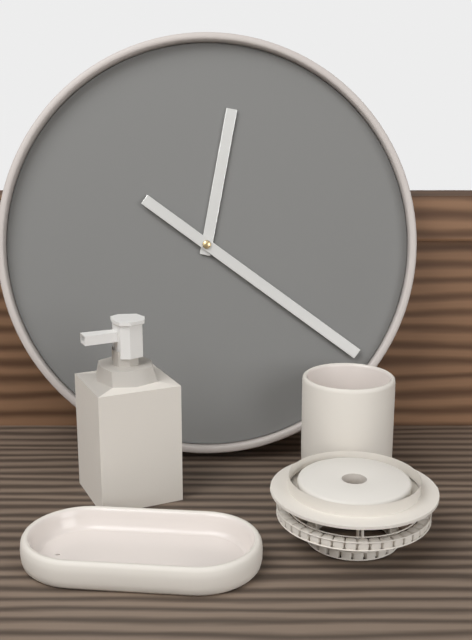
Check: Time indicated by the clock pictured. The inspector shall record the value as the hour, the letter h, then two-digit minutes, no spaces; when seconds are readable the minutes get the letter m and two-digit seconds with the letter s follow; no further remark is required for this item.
12h21
